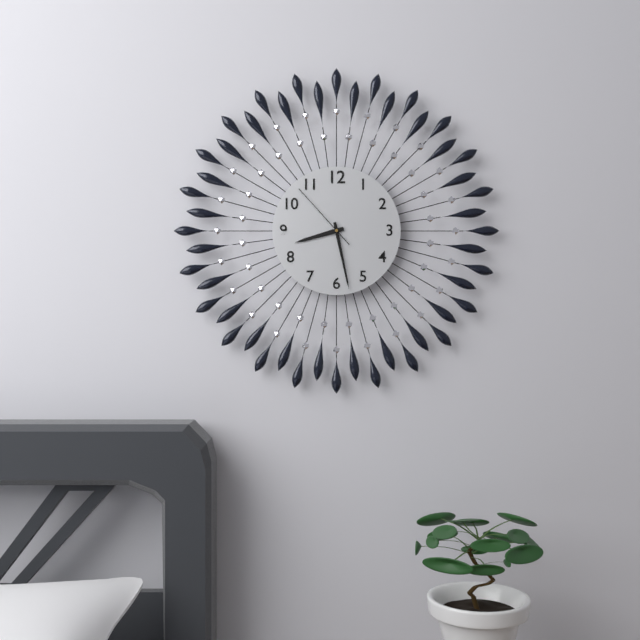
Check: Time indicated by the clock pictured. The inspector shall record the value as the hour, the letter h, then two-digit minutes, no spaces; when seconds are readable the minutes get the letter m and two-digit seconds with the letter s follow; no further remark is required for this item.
8h28m53s
